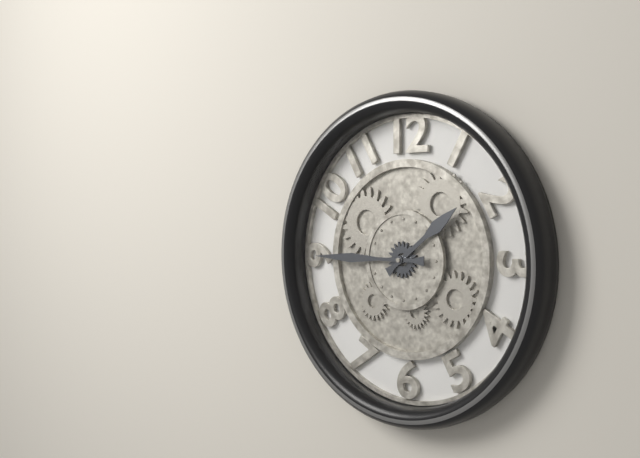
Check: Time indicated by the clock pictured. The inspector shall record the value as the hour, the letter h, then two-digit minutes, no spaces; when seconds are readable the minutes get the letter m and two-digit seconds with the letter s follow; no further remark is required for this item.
1h45
